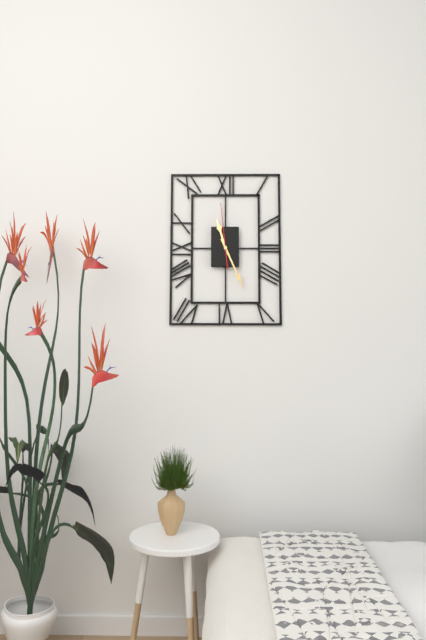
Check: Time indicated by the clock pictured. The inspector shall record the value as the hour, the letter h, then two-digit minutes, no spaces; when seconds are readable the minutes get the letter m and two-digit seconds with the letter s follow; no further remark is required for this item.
11h26m59s
